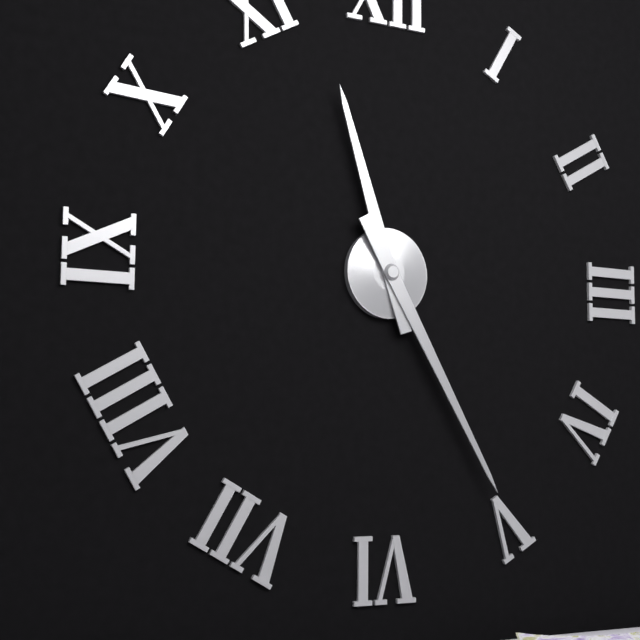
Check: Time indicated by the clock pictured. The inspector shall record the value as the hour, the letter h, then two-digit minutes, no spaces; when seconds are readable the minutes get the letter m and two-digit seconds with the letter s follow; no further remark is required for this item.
11h25
